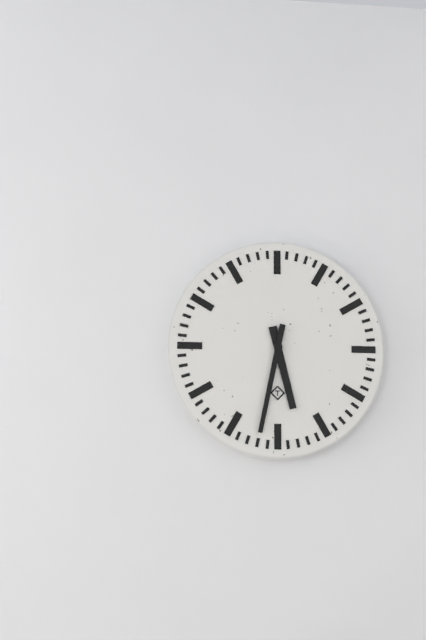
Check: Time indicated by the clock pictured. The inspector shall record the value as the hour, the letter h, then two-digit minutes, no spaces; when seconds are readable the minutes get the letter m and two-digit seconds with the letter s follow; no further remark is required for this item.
5h32
